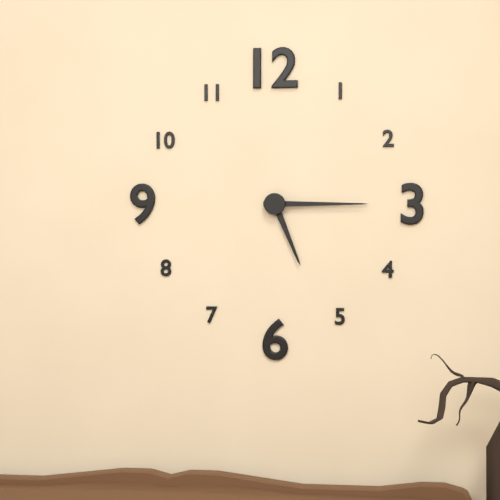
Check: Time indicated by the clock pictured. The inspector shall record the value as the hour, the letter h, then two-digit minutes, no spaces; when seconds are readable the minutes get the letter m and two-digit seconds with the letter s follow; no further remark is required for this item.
5h15
